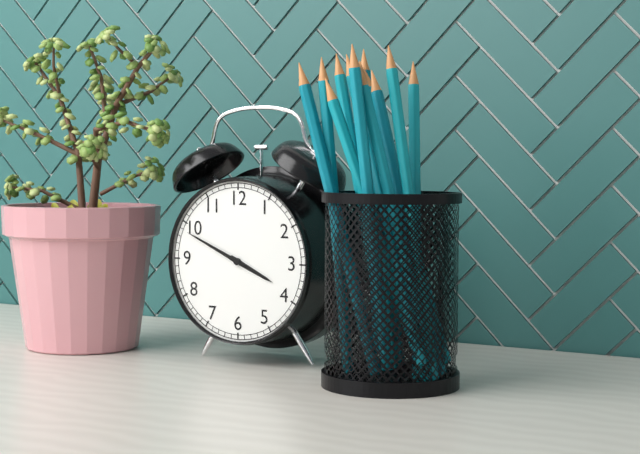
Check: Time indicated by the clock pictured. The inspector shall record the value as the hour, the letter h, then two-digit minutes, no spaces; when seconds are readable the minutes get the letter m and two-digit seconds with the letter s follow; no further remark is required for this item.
3h49
